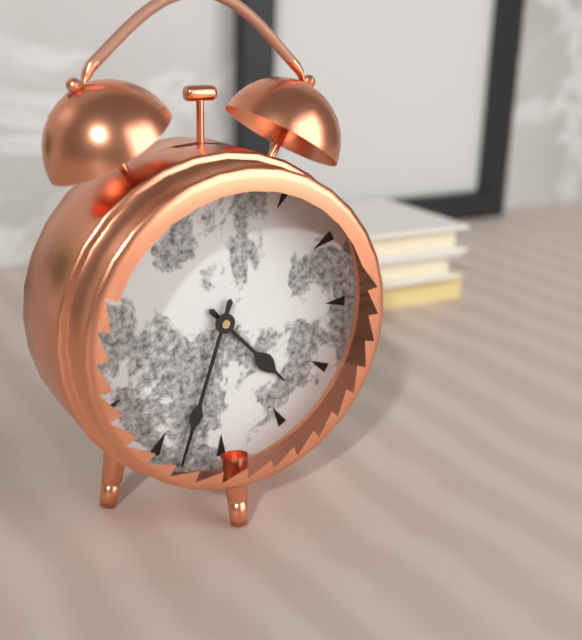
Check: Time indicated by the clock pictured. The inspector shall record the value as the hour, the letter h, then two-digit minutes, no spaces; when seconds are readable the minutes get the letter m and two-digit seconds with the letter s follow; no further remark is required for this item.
4h33
